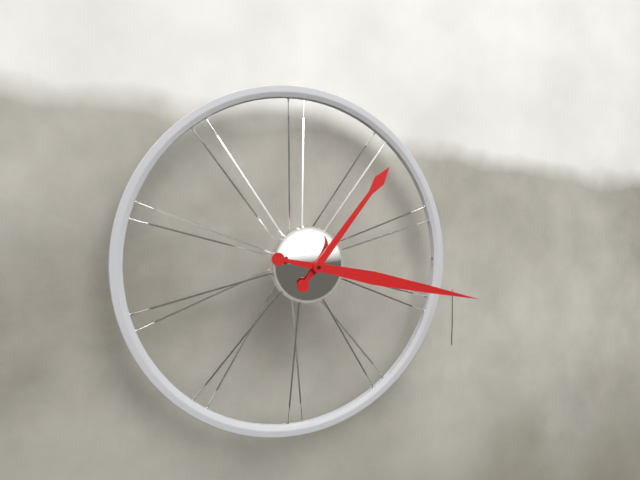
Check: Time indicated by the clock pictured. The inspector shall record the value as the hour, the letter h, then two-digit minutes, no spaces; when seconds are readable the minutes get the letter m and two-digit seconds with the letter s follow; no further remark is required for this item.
1h17
